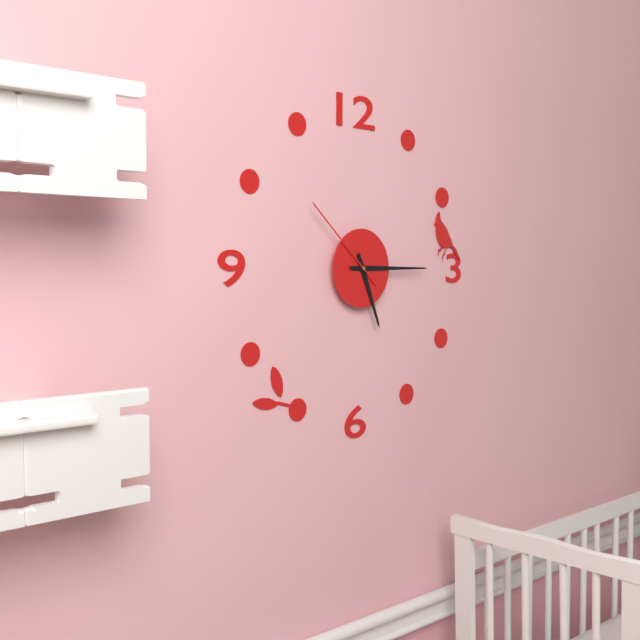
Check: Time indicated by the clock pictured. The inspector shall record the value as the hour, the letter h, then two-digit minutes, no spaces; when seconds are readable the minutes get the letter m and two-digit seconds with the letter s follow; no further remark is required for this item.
5h15m52s
